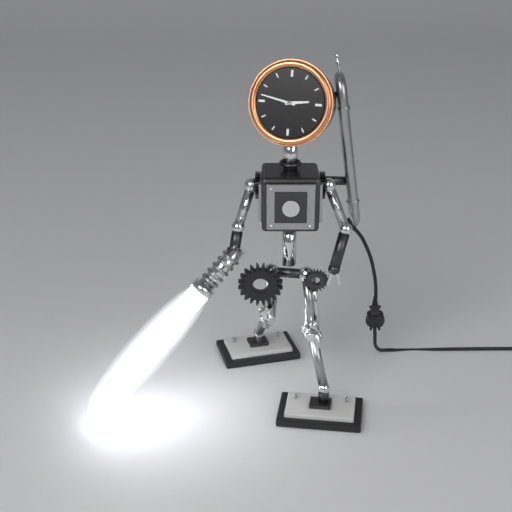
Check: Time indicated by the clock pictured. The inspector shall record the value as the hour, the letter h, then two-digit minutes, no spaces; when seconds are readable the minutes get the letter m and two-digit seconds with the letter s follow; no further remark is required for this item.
2h47
